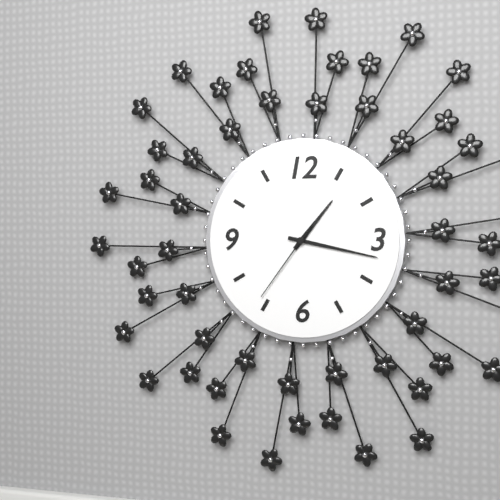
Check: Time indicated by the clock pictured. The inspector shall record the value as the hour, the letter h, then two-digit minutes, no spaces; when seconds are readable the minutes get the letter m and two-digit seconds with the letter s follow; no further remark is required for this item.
1h17m36s
